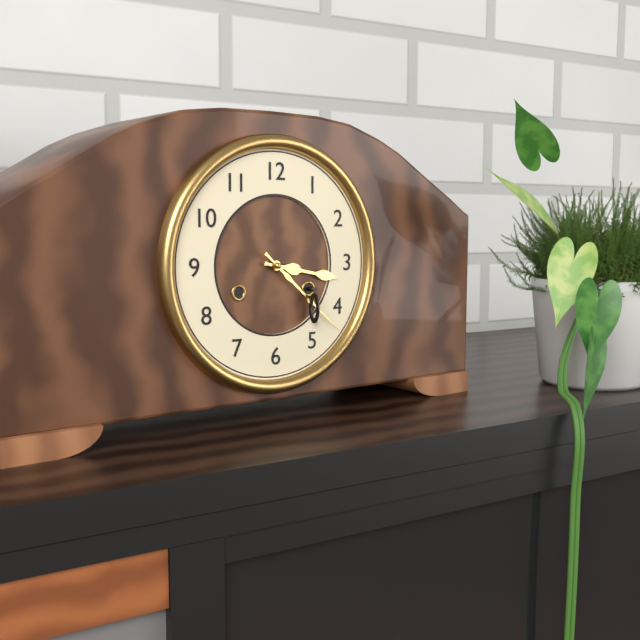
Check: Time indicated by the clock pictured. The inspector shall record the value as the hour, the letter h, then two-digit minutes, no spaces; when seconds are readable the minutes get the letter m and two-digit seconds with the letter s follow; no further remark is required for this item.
3h22
